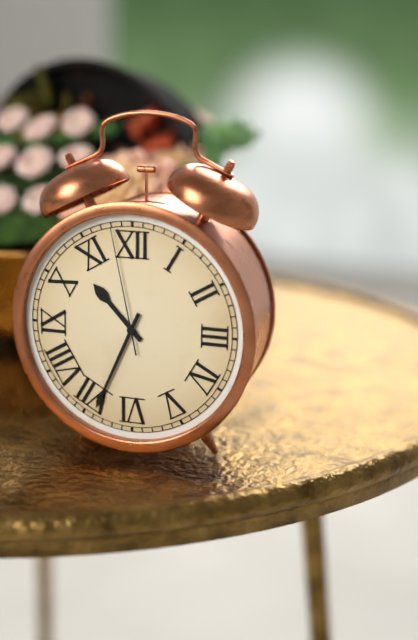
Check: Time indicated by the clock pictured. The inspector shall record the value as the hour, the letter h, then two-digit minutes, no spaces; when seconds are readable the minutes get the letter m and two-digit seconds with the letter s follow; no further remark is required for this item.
10h34m58s
